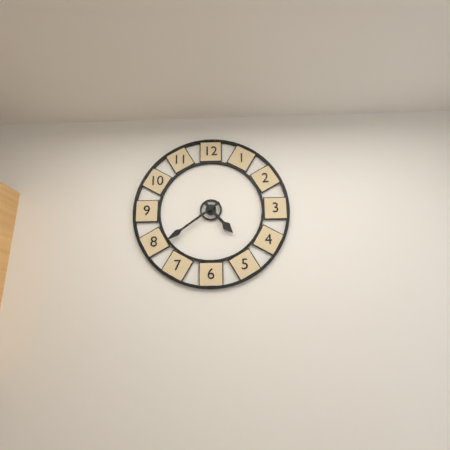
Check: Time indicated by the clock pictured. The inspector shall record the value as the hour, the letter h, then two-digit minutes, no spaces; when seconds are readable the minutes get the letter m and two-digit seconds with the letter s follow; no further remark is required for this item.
4h39
